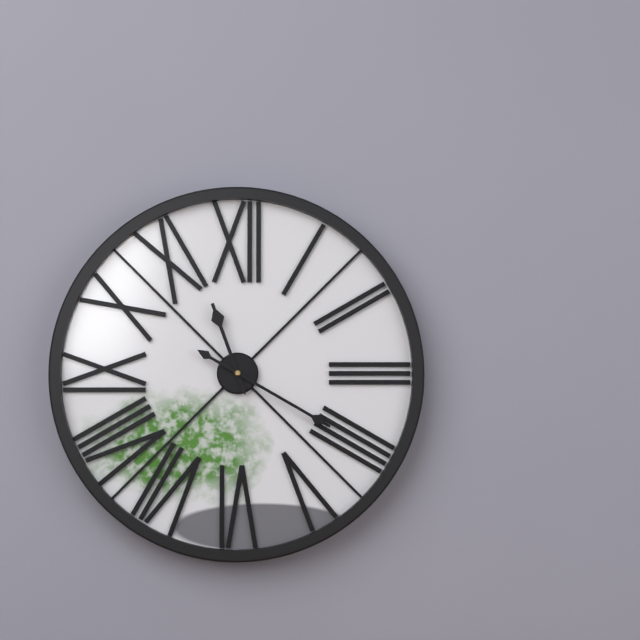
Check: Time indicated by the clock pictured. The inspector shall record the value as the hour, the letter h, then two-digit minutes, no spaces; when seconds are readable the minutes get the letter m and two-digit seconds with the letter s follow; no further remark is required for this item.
11h20
